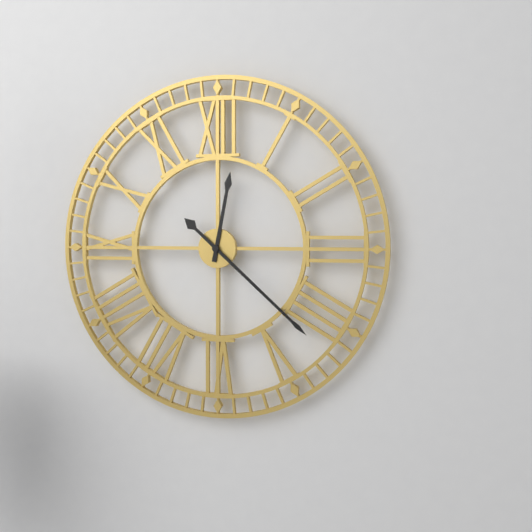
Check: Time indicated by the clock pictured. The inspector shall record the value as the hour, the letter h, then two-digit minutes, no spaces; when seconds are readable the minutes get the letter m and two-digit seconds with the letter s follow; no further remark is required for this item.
12h22
